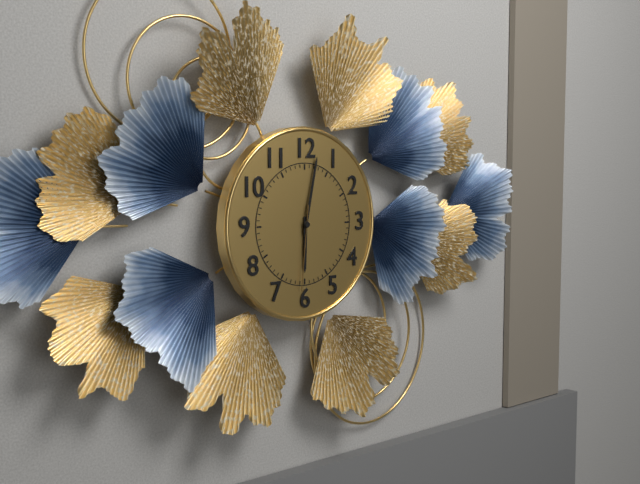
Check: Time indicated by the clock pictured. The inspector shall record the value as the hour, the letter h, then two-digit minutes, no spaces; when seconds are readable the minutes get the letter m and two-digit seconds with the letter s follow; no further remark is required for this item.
6h02m31s
